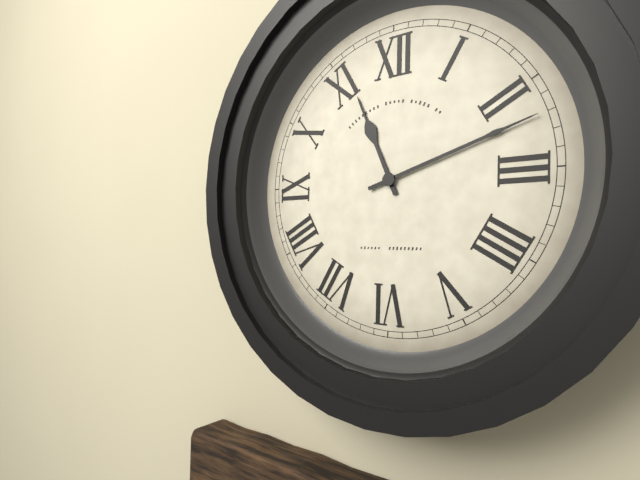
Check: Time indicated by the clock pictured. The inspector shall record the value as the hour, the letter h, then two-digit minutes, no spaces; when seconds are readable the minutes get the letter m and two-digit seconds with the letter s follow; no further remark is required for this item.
11h12
